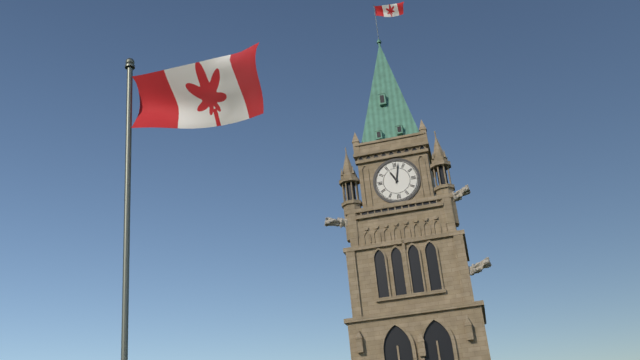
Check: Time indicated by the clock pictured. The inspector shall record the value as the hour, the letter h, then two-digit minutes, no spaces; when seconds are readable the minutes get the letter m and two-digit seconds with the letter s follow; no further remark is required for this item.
11h02
